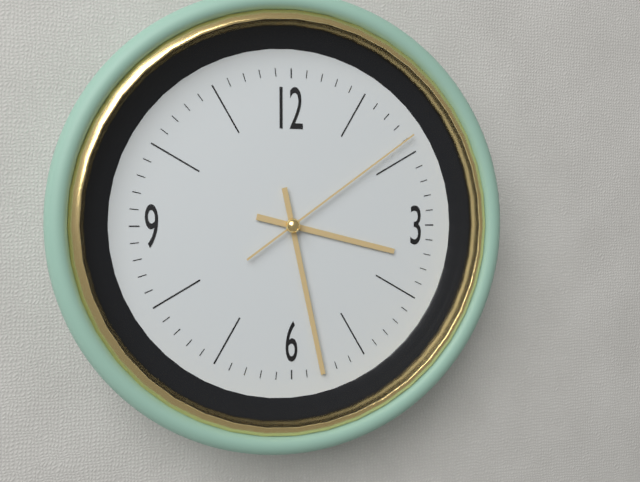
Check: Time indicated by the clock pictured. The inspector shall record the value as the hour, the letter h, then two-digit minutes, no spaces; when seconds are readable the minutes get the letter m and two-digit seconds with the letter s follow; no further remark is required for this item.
3h28m09s
